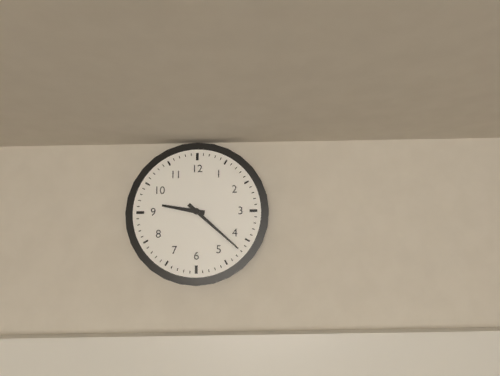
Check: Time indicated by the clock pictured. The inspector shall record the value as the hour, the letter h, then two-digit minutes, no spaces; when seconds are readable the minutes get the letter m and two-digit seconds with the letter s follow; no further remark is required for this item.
9h22
